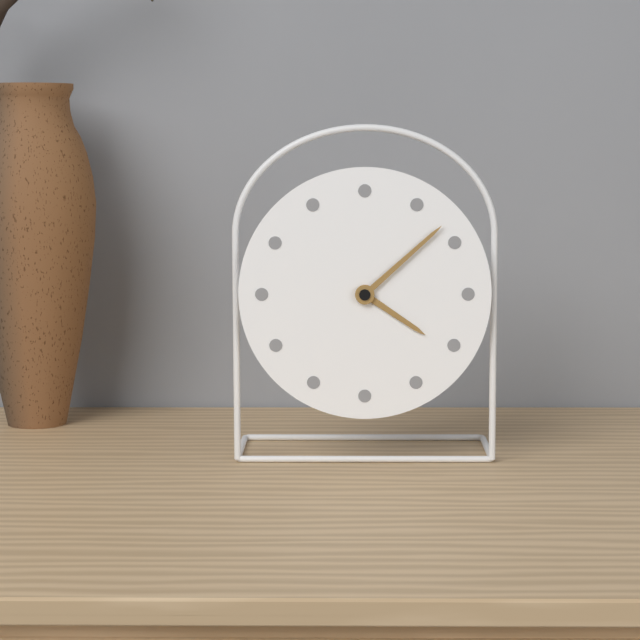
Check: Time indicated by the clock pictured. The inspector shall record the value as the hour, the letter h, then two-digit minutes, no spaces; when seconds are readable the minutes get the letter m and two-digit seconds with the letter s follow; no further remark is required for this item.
4h08
